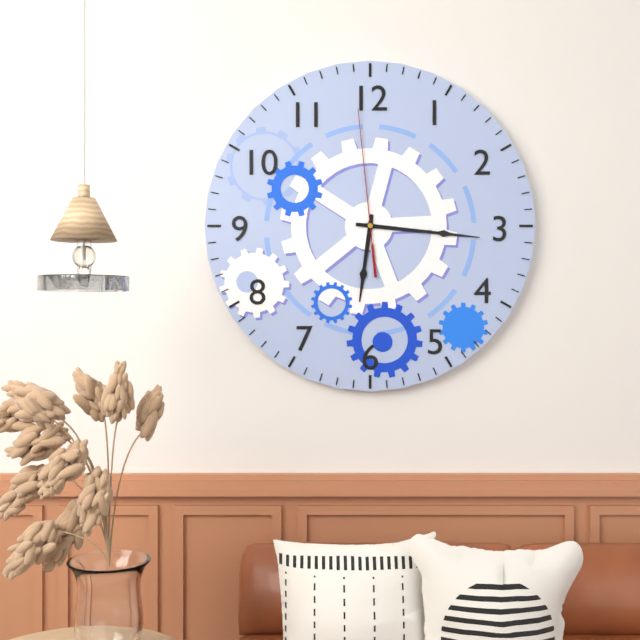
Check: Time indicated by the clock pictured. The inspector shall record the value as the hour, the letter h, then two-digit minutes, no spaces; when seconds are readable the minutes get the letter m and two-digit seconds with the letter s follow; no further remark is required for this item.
6h16m59s
